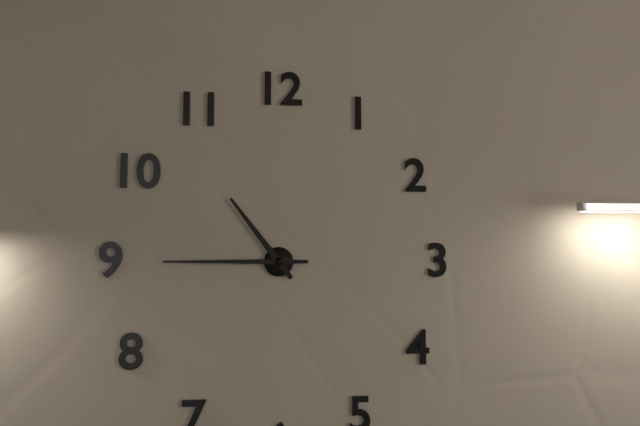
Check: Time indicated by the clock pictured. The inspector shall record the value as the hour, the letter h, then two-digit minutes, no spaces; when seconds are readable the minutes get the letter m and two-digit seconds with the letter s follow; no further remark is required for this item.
10h45
